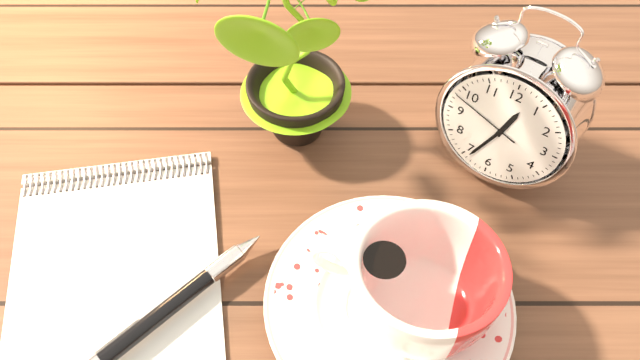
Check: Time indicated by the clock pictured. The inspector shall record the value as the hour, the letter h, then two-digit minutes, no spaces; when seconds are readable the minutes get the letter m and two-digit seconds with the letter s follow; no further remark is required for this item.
12h34m48s
